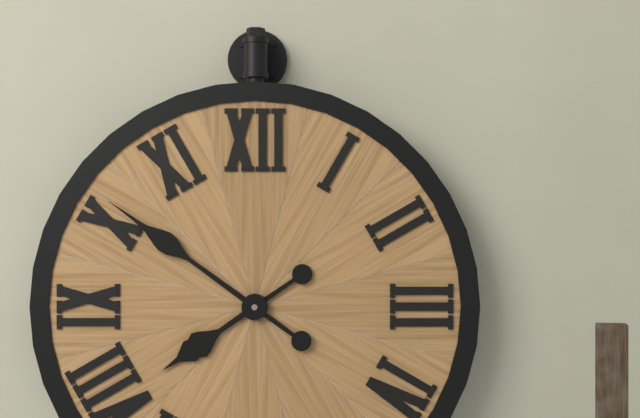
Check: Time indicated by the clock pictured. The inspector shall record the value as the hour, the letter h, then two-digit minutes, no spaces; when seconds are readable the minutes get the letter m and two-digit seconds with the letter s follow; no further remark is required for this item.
7h51
